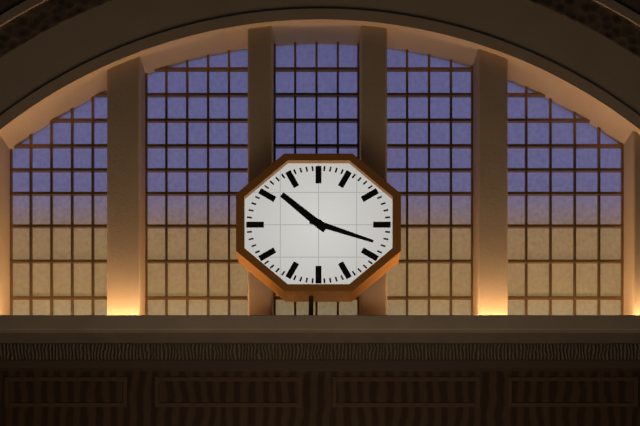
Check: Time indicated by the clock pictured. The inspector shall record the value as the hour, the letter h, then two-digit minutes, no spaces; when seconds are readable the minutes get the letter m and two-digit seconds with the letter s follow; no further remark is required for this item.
10h18
